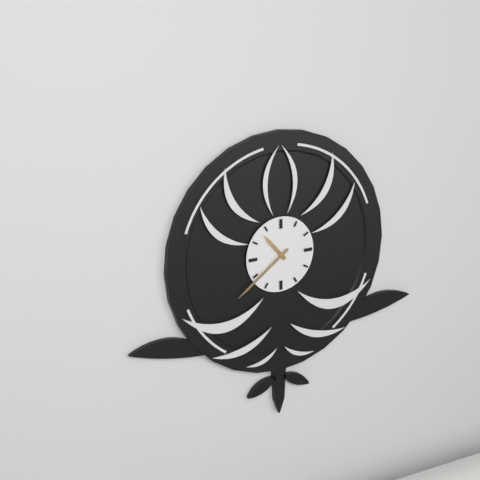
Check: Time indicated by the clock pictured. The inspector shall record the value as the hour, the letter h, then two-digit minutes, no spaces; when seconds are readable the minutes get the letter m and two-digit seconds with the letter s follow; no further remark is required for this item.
10h39
